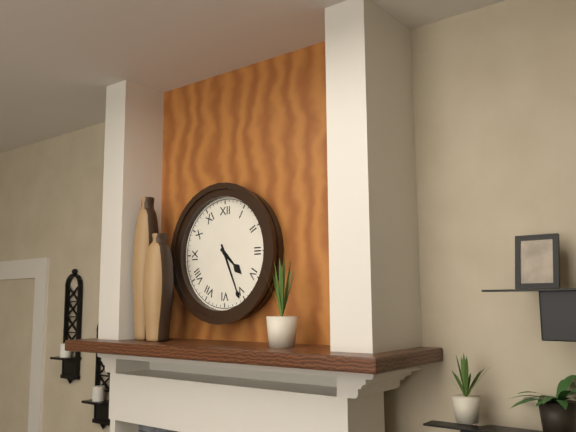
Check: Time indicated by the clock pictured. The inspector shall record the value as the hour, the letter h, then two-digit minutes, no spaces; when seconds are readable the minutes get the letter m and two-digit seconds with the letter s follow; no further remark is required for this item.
4h26
